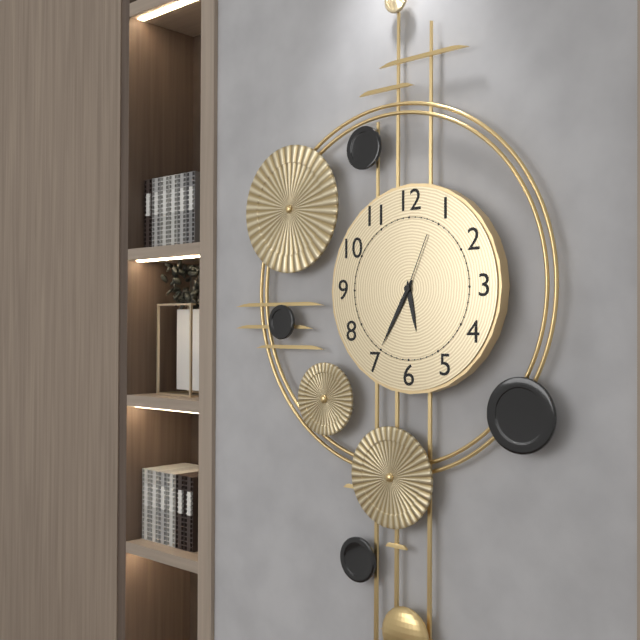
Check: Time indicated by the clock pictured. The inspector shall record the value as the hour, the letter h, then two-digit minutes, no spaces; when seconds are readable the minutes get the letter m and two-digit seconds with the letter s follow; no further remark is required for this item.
5h35m04s
